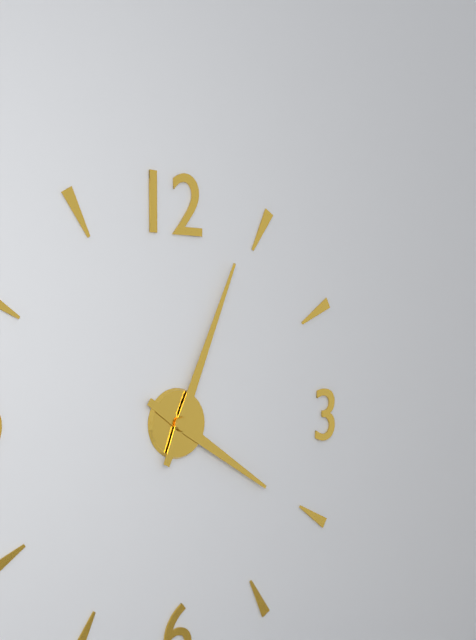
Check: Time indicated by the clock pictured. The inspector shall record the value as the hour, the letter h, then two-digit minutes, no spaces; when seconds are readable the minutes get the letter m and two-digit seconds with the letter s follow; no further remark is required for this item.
4h04
